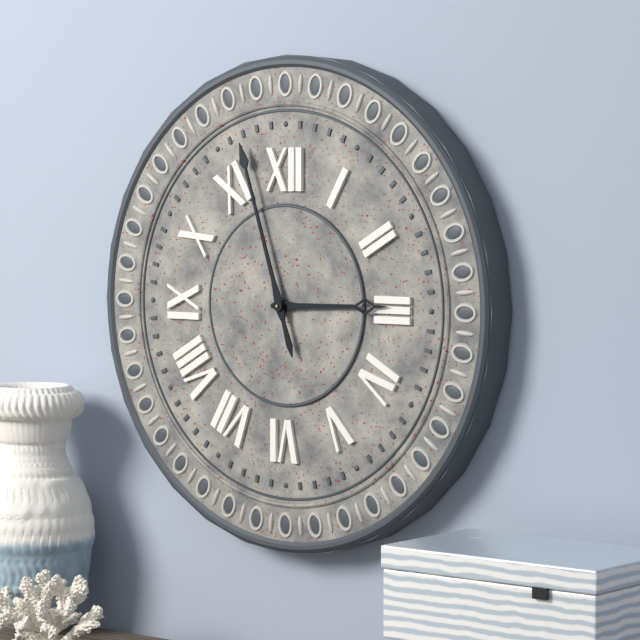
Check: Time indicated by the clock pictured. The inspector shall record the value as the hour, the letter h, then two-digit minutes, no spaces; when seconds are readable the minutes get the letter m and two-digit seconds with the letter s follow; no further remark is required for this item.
2h57
